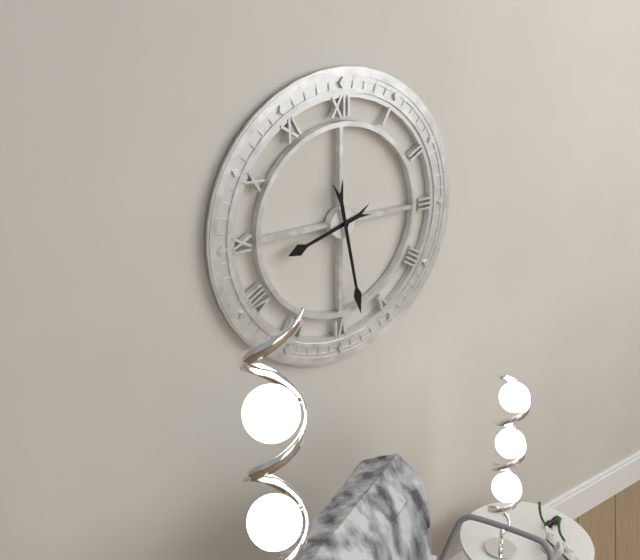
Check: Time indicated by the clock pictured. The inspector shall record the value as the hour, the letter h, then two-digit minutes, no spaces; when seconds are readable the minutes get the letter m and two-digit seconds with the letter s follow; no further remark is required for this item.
8h28
